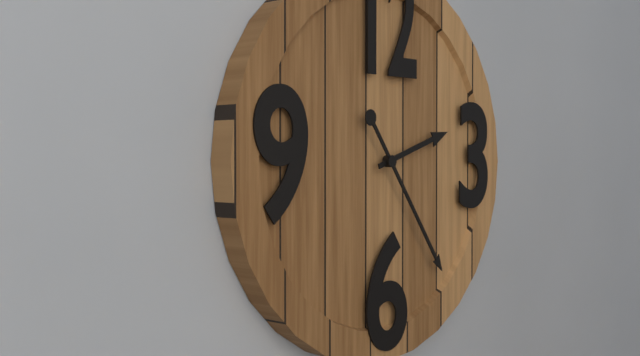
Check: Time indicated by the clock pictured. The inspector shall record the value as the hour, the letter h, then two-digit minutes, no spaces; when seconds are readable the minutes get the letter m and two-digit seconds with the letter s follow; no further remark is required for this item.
2h24
